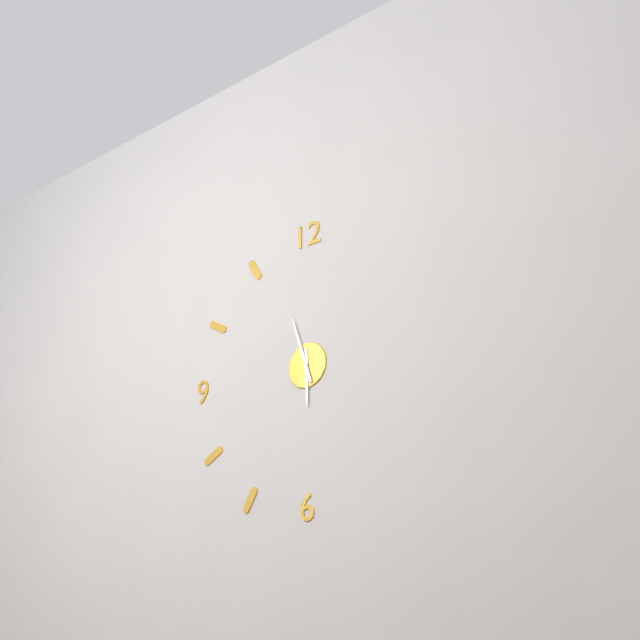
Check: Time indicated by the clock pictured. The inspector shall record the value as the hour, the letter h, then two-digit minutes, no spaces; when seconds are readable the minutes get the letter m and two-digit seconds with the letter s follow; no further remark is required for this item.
5h57
